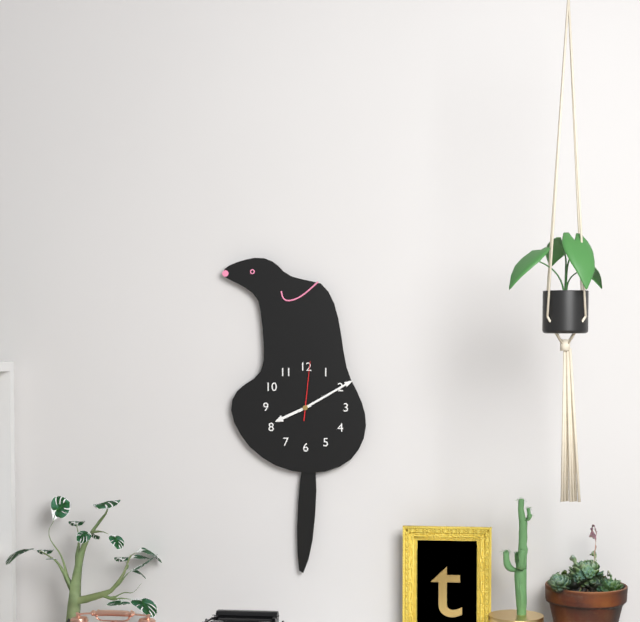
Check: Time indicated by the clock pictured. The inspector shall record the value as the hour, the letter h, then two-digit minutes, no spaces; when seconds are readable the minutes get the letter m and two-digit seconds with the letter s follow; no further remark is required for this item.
8h10m01s
